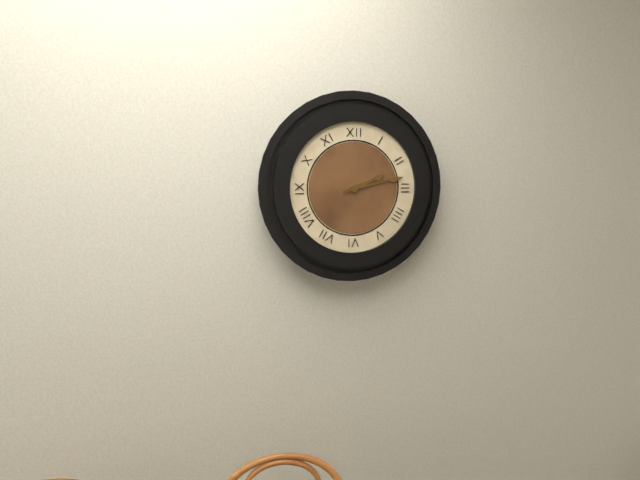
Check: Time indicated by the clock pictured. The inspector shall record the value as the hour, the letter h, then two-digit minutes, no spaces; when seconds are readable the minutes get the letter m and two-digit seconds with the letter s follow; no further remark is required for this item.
2h13
